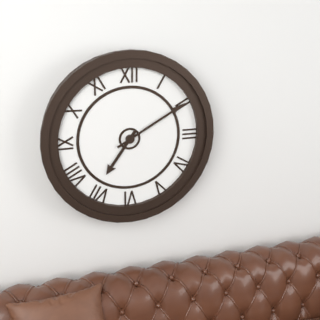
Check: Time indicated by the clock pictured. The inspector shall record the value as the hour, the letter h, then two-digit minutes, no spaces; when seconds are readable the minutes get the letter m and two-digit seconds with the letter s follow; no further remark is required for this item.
7h10
